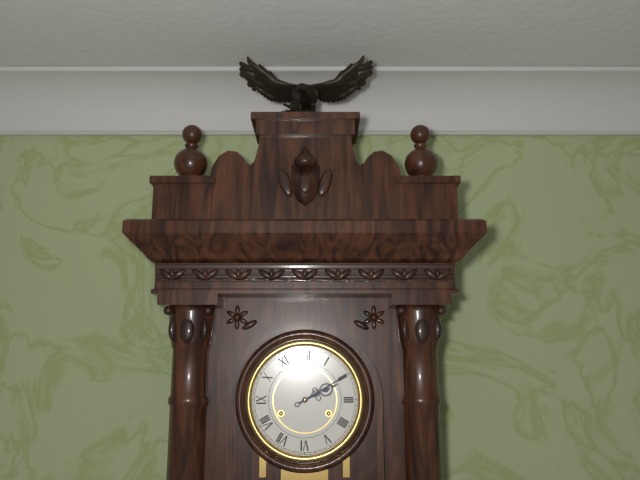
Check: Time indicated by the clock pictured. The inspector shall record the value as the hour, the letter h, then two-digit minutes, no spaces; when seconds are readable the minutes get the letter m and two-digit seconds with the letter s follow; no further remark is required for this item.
2h10
